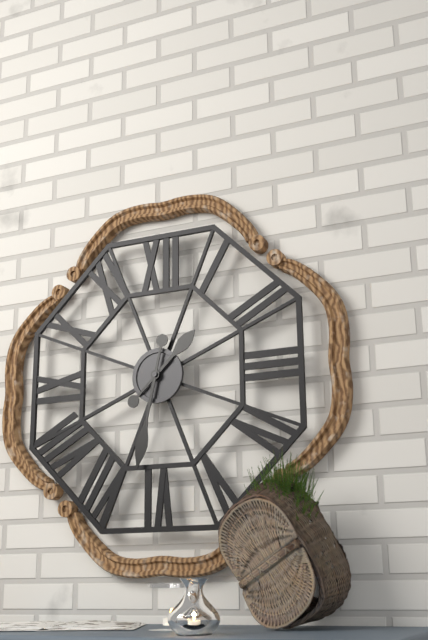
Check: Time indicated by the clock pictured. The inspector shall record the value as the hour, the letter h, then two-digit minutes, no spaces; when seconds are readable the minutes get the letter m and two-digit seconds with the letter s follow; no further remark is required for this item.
1h32
